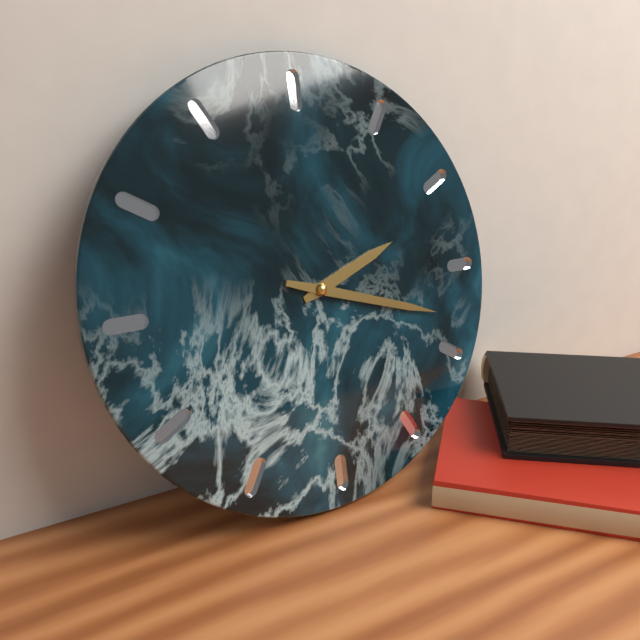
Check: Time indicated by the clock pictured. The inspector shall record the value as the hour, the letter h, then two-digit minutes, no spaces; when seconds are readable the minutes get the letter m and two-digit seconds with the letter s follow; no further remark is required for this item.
2h18
